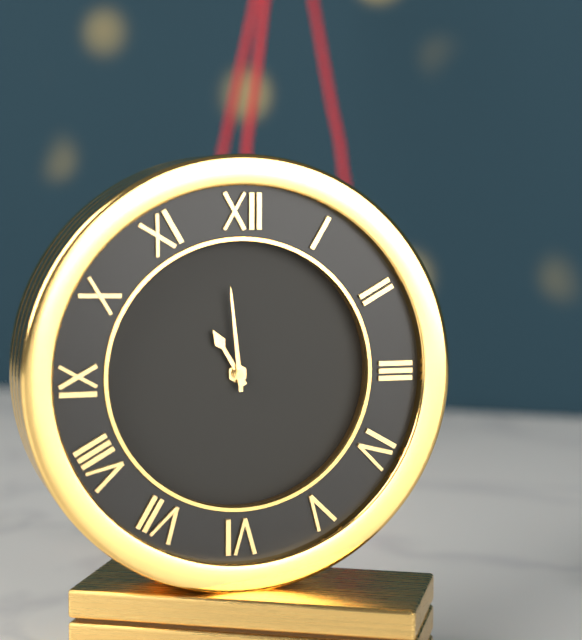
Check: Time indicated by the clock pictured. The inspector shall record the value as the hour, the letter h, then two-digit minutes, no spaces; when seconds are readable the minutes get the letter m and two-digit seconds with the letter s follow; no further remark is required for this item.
10h59
